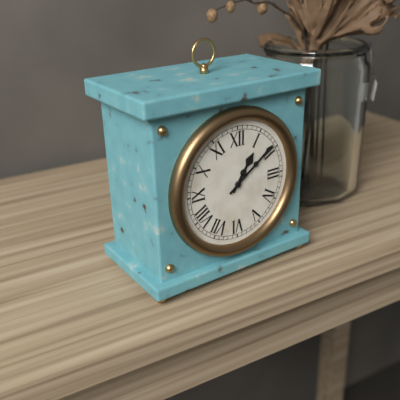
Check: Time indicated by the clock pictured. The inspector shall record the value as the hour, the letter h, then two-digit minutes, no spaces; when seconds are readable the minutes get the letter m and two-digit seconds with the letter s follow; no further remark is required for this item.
1h09
